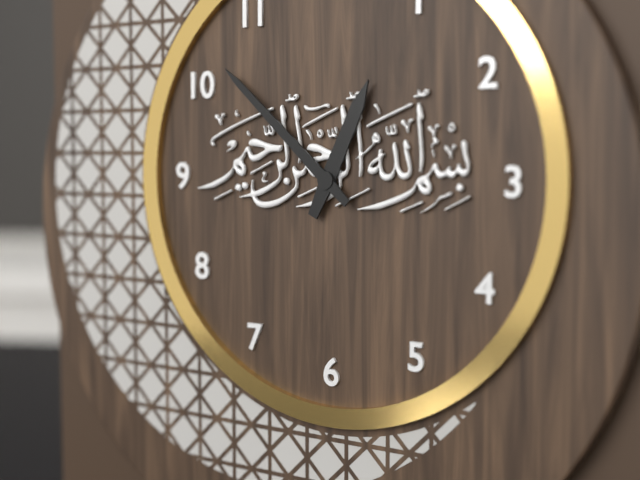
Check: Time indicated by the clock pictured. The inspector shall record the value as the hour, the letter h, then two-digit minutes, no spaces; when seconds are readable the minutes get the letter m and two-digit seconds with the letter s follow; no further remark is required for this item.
12h52
